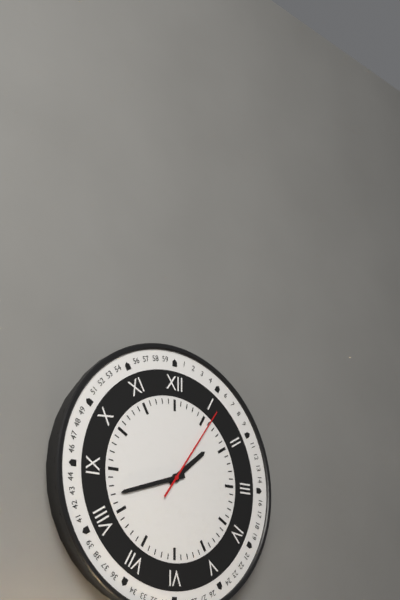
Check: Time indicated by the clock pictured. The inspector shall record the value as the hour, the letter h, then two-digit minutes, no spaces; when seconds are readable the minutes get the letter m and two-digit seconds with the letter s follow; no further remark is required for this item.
1h42m06s
